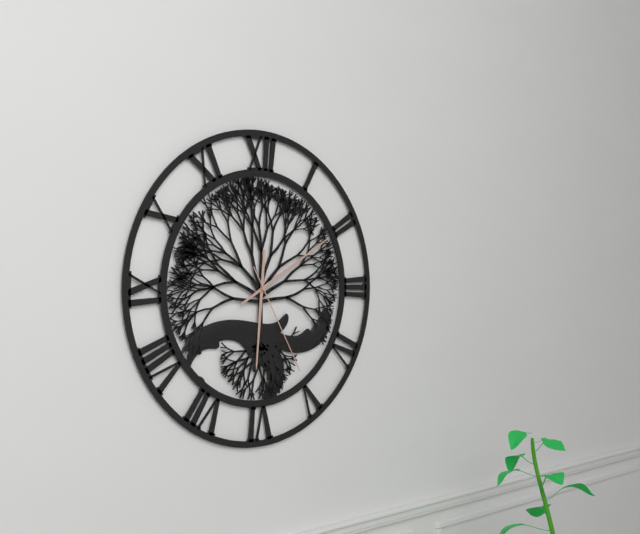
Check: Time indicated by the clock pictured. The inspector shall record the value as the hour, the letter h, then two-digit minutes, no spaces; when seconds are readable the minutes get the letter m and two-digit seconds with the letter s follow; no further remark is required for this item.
6h10m25s
